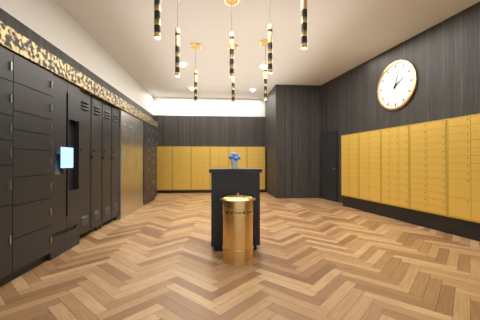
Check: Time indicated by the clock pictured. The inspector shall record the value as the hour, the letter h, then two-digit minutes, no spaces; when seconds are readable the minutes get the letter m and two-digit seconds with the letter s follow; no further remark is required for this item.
2h03
